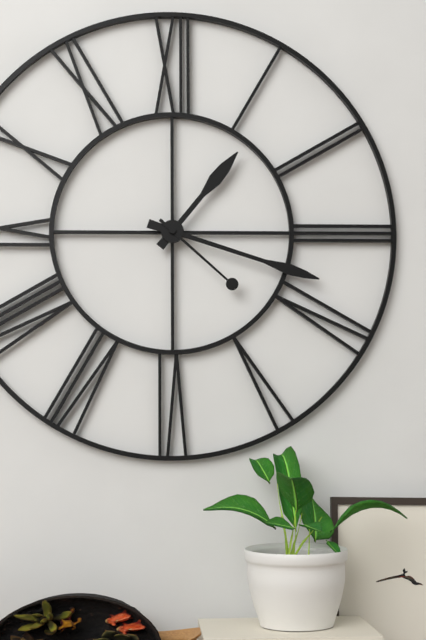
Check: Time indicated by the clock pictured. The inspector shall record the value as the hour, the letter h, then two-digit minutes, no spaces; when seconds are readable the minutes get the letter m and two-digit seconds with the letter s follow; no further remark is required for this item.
1h18m22s
